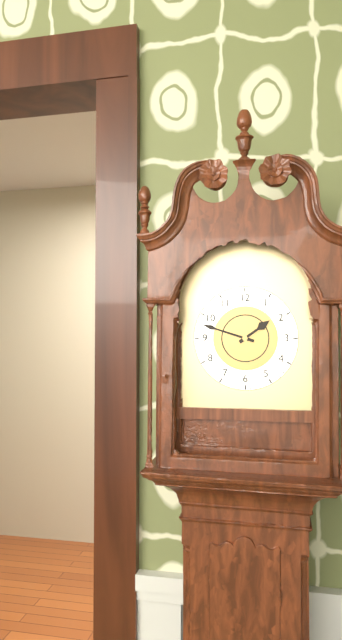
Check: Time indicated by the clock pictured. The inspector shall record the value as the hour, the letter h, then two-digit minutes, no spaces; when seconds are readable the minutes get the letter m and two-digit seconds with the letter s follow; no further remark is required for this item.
1h48
